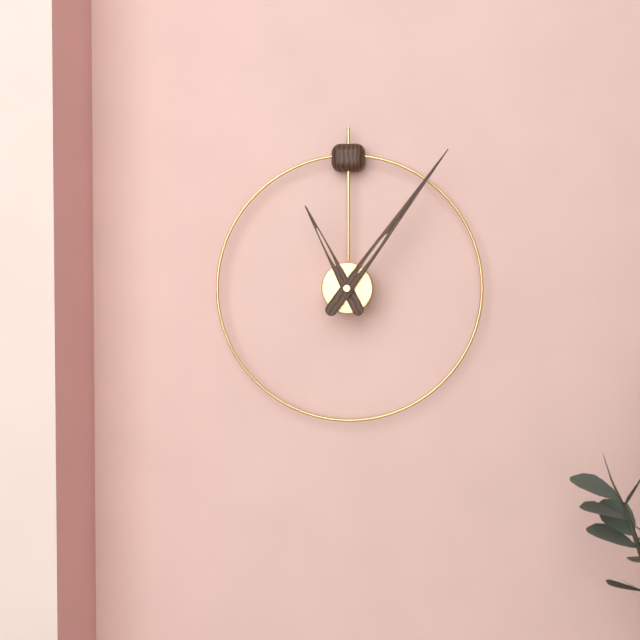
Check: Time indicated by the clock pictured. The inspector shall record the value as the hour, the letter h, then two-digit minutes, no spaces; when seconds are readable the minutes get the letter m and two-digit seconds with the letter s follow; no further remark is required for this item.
11h06
